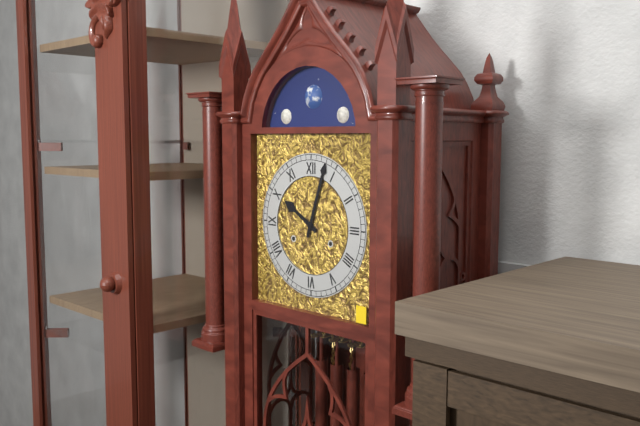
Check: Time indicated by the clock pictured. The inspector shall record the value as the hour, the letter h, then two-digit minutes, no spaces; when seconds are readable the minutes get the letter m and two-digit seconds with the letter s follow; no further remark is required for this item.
10h03
